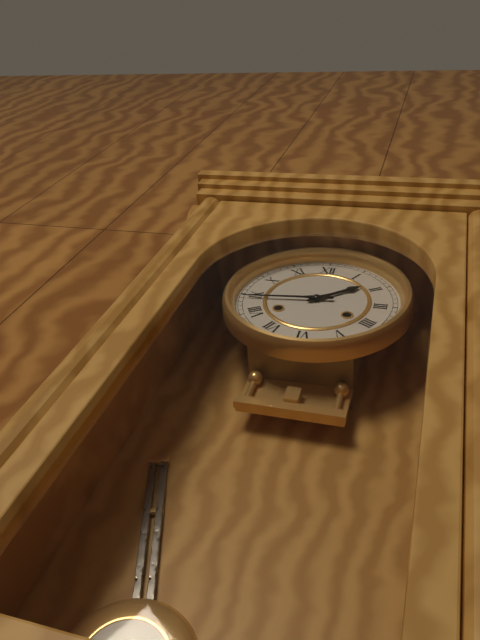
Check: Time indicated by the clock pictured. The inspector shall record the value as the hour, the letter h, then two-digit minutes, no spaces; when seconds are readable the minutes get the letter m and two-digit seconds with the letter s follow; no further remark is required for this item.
1h44
